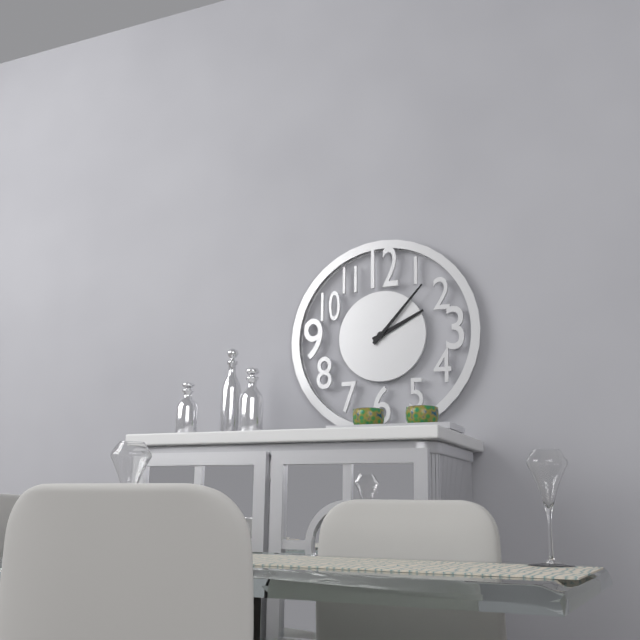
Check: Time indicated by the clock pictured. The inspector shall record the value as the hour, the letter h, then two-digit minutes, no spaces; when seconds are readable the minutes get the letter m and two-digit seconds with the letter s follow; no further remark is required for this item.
2h07
